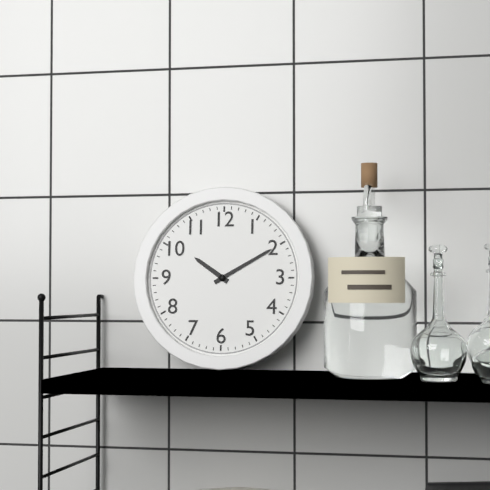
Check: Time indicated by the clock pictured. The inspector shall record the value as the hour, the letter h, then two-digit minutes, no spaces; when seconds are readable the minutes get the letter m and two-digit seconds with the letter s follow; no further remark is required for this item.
10h10
